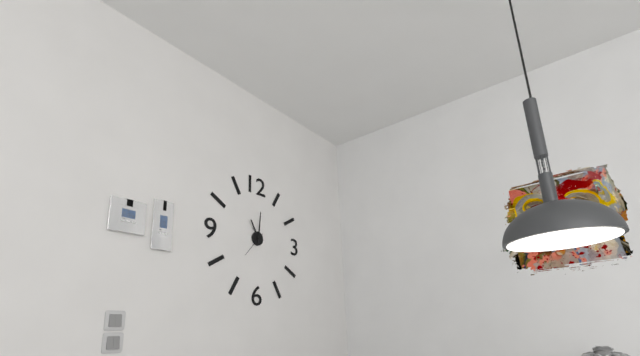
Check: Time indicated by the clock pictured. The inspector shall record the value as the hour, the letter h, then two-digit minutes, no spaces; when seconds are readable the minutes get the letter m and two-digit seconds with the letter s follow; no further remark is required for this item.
11h01
